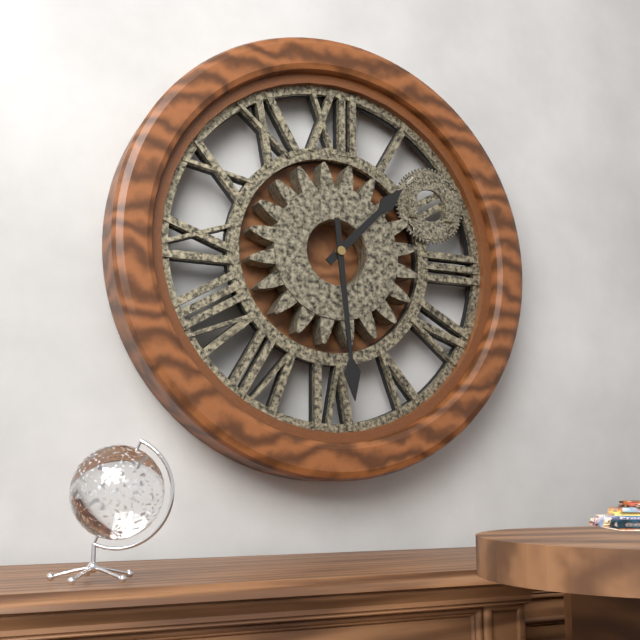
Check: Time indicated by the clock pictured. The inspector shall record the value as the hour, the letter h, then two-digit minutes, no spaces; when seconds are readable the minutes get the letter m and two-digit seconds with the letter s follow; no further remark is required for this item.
1h29
